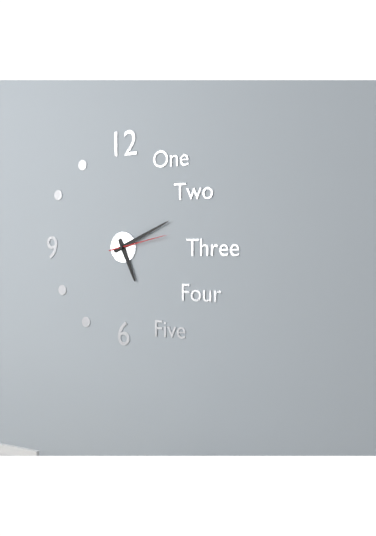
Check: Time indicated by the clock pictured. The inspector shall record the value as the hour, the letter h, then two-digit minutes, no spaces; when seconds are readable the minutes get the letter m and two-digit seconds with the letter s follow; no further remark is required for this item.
5h11m13s
